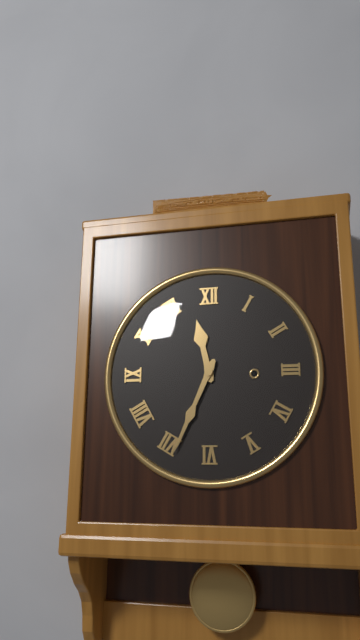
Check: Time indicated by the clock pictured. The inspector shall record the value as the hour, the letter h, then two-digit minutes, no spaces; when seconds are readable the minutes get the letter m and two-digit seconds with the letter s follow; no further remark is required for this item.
11h34
